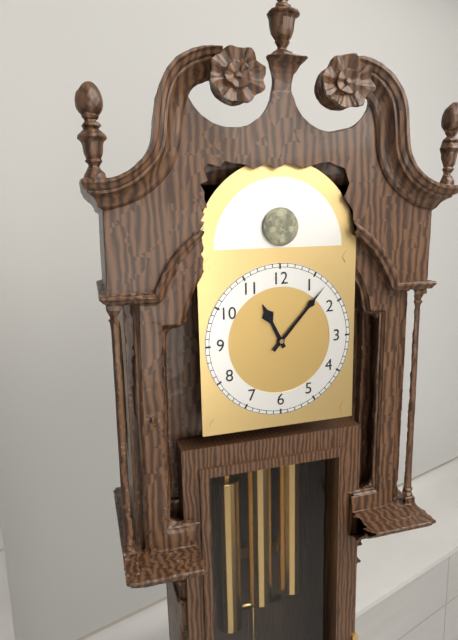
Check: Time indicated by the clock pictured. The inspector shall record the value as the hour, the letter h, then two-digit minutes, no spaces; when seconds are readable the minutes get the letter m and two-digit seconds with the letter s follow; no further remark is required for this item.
11h07
